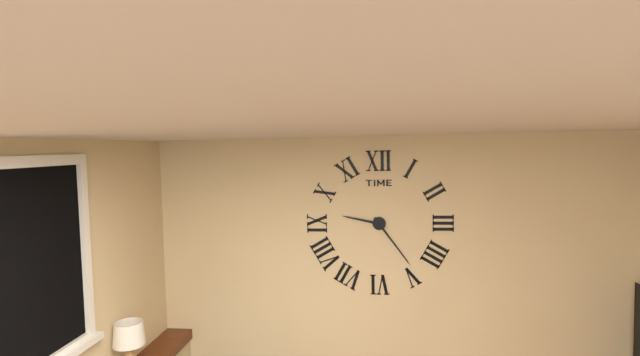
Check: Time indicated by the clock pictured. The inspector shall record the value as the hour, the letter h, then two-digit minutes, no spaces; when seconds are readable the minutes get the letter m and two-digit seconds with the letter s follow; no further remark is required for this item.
9h24
